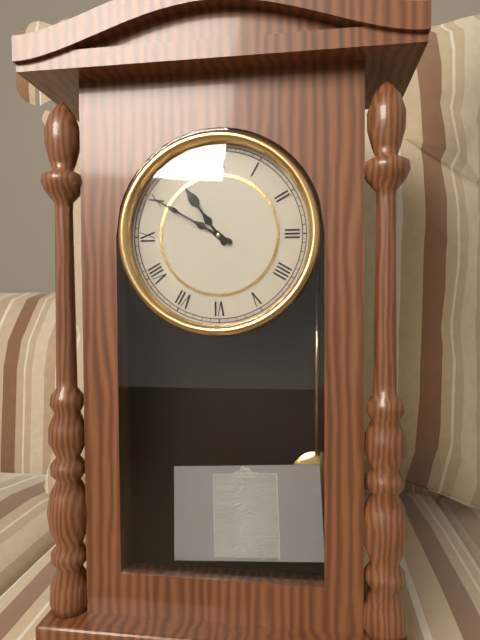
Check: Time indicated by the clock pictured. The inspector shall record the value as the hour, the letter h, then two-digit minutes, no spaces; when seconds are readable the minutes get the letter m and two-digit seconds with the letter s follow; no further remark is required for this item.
10h50
